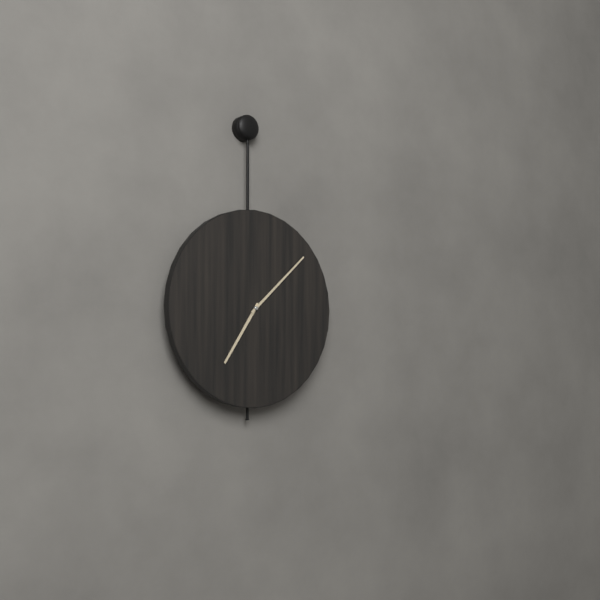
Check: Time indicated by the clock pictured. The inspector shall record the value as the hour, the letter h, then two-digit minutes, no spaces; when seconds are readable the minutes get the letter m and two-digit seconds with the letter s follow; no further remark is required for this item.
7h08
